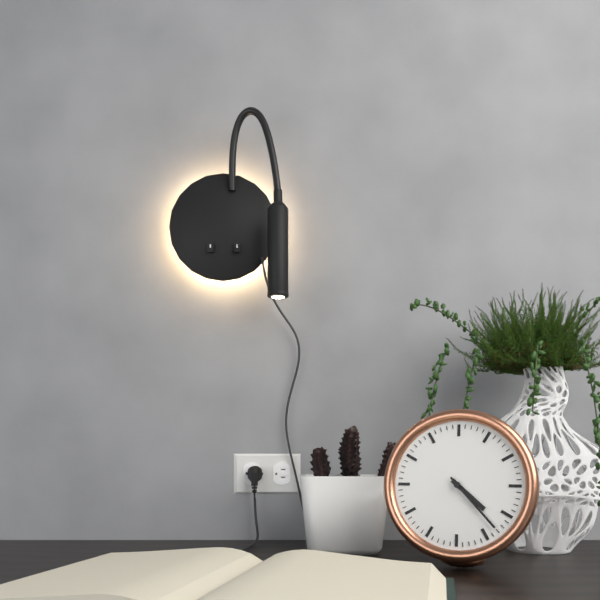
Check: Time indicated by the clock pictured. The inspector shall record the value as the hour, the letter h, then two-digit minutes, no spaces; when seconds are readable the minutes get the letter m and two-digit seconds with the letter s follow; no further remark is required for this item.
4h23
